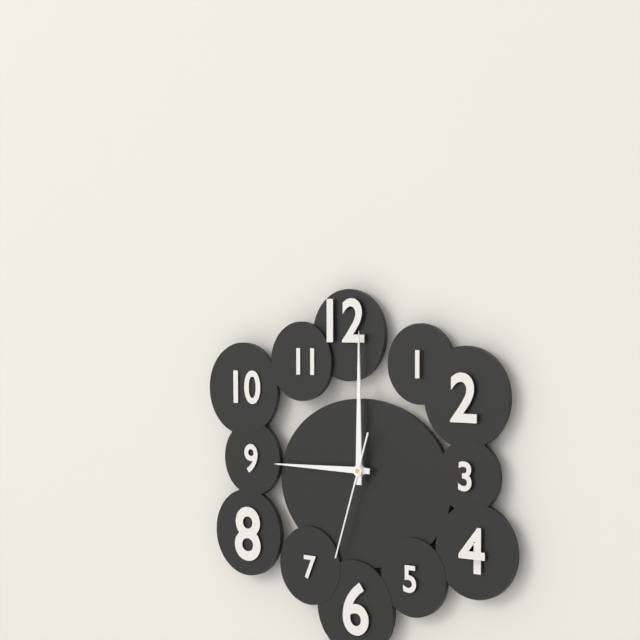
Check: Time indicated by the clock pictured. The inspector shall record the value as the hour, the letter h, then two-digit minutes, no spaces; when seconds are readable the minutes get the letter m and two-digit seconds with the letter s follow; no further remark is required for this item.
9h00m33s
